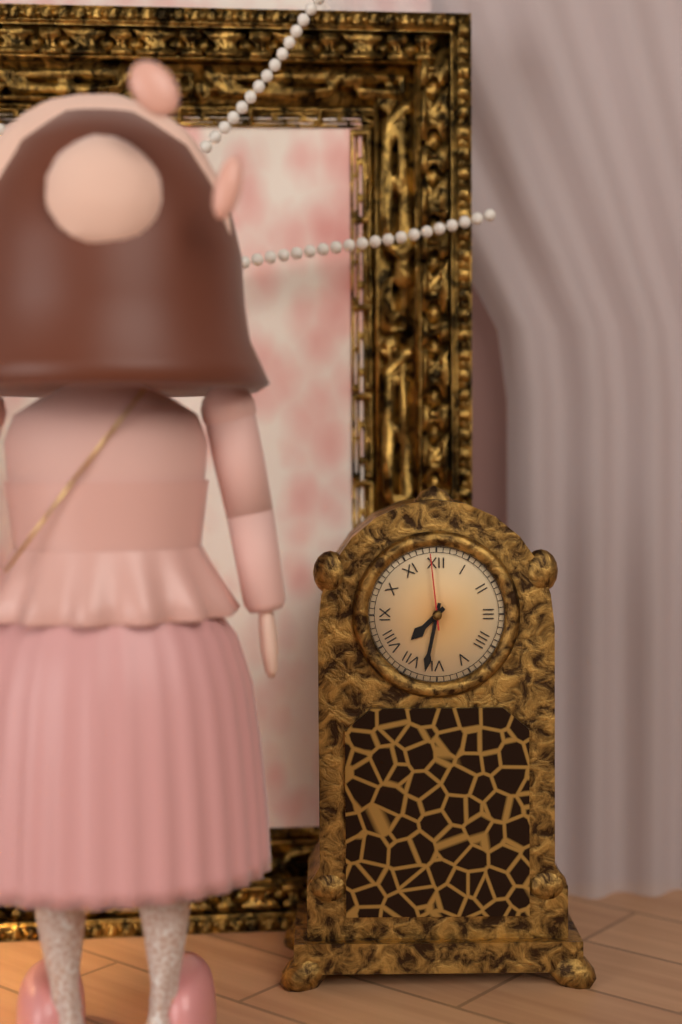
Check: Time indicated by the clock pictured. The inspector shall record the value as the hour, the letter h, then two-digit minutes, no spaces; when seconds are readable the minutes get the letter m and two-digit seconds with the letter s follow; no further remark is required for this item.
7h32m59s
